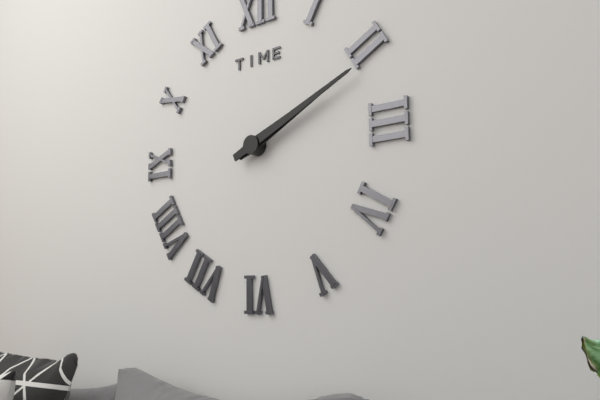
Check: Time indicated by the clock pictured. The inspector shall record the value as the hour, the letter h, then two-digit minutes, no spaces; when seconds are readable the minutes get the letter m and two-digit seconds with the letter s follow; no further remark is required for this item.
2h11
